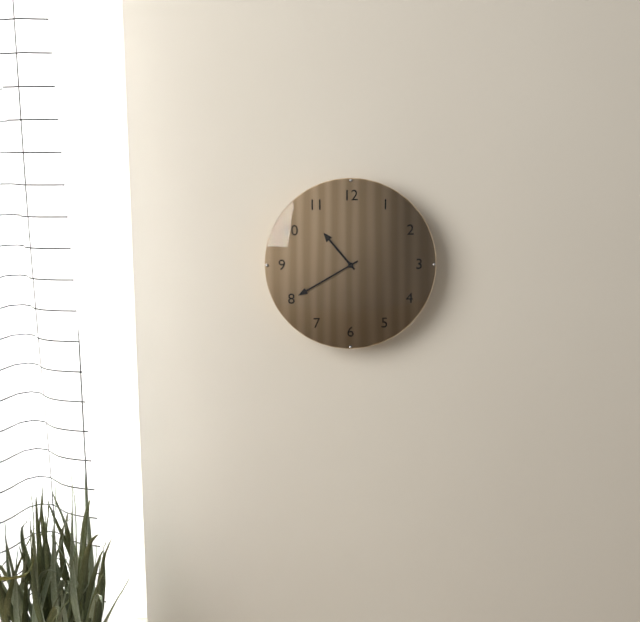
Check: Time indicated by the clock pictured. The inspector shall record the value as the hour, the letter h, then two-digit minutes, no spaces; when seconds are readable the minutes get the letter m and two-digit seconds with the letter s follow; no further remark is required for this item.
10h40
